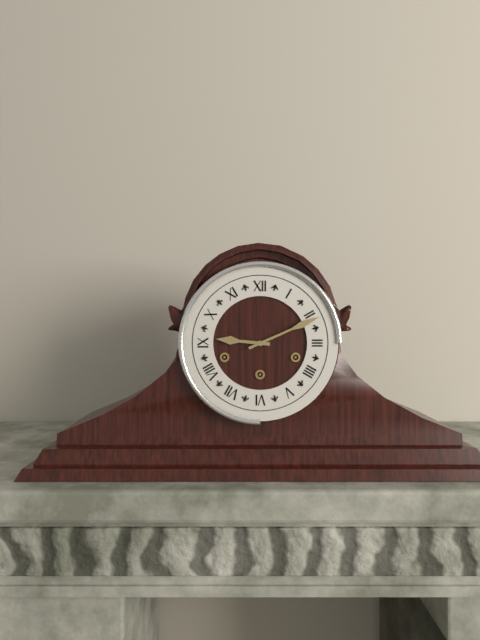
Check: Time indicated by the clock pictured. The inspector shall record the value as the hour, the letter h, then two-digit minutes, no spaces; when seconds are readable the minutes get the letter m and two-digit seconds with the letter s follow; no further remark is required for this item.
9h11
